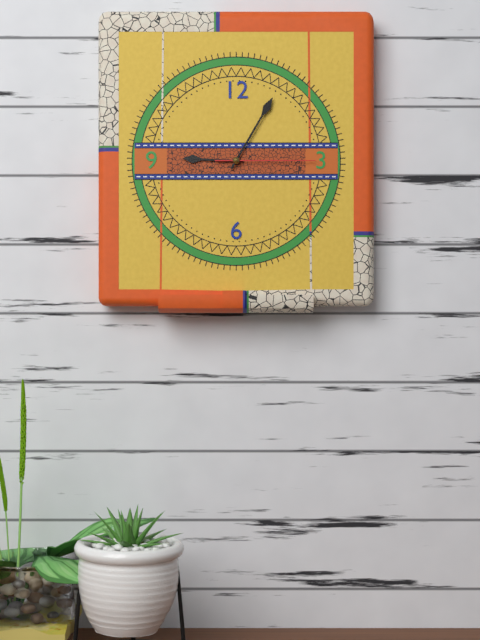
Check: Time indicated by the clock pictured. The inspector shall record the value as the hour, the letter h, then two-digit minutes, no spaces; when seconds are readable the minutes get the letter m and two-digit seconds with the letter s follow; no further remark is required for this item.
9h05m15s
